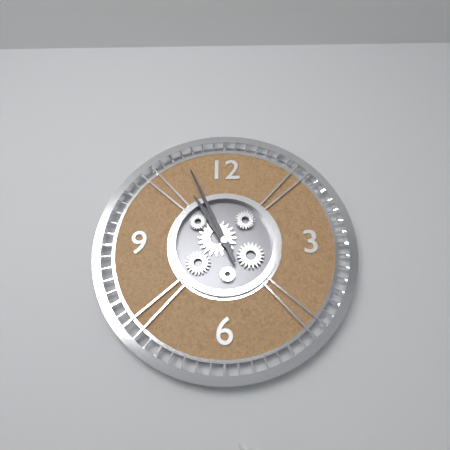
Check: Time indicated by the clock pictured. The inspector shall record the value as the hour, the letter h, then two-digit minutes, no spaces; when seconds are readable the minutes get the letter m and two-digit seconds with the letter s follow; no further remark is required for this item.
10h56
